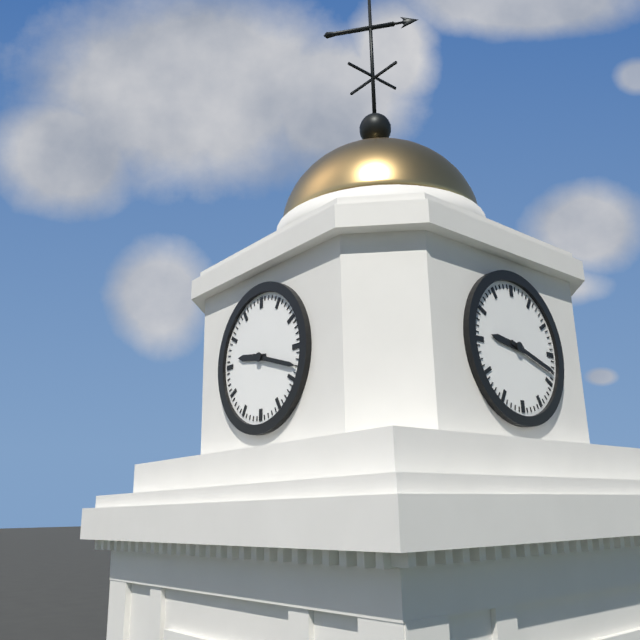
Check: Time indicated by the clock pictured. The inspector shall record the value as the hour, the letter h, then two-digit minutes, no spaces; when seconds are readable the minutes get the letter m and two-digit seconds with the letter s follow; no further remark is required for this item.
9h18
